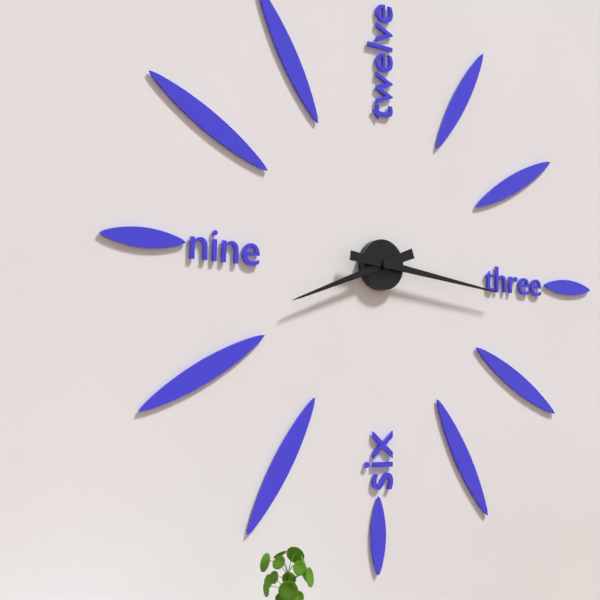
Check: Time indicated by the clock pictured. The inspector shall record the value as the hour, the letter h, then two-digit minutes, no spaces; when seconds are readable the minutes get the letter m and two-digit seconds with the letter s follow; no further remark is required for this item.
8h16
